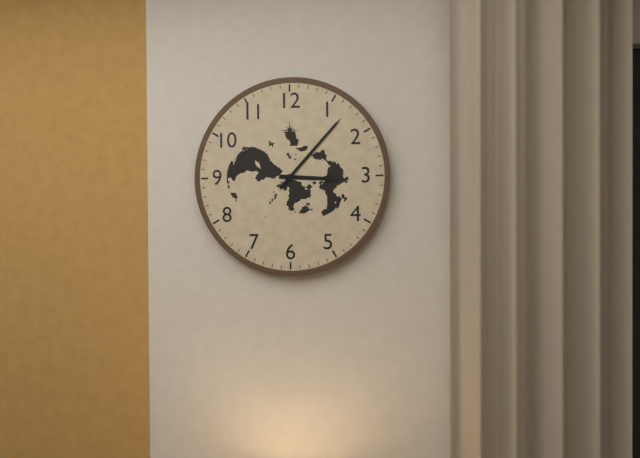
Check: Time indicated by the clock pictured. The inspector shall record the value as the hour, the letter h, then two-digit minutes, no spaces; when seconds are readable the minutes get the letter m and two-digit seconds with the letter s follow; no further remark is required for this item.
3h07
